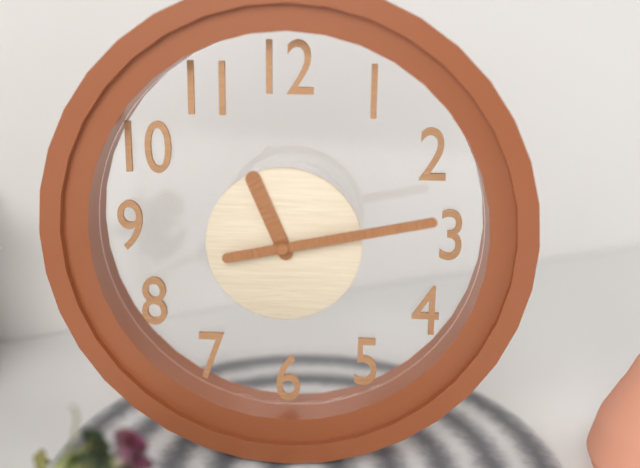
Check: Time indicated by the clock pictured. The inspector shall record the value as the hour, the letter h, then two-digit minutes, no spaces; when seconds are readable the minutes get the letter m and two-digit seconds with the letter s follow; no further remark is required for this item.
11h13
